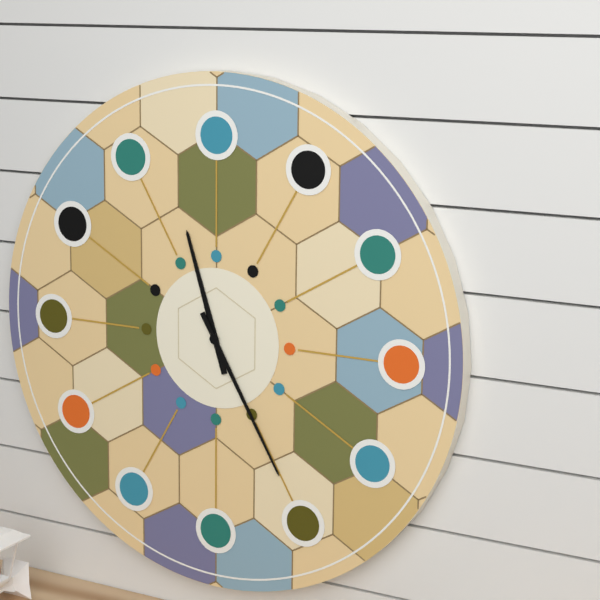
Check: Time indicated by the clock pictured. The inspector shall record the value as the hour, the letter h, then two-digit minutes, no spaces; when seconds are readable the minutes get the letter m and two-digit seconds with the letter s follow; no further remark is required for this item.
11h25
